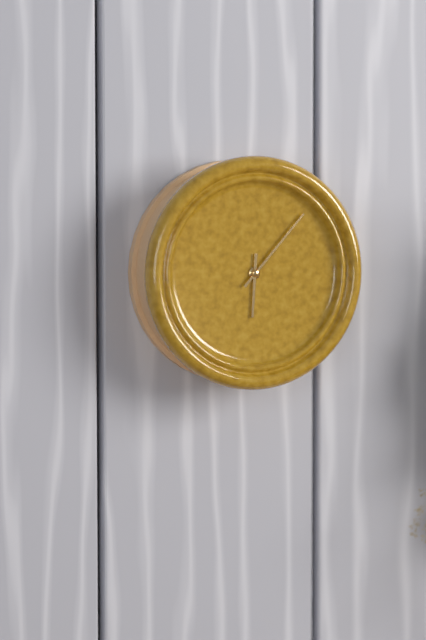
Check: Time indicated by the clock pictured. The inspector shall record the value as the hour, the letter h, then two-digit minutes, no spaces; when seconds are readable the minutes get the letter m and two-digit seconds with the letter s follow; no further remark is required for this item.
6h07
